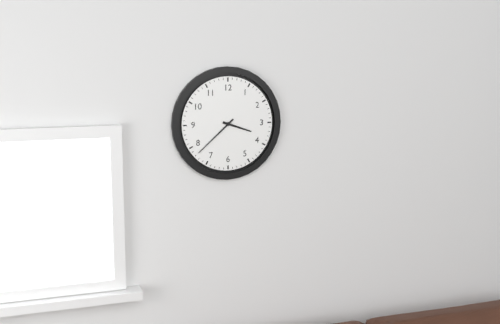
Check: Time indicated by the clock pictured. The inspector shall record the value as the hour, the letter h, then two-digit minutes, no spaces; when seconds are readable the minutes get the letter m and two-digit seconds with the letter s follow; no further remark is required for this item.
3h38
